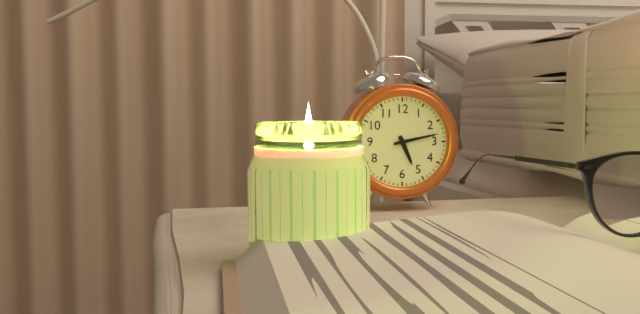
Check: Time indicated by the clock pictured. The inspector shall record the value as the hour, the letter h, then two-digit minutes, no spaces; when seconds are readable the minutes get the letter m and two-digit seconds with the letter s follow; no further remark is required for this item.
5h13
